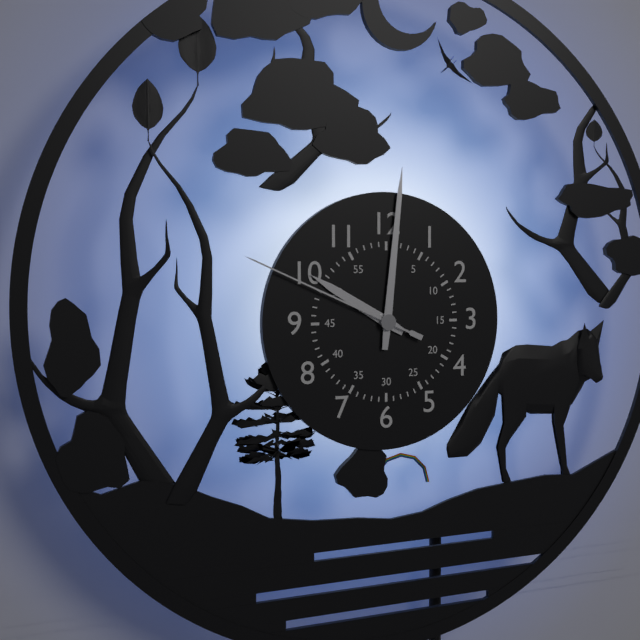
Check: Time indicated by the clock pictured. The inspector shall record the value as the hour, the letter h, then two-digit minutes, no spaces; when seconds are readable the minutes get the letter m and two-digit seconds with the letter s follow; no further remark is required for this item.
10h01m49s
